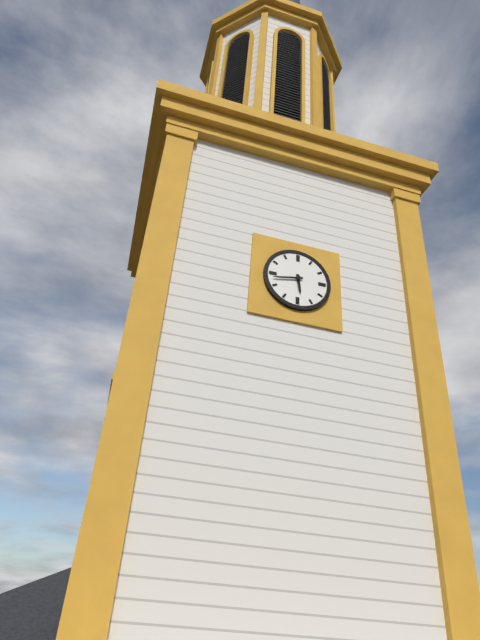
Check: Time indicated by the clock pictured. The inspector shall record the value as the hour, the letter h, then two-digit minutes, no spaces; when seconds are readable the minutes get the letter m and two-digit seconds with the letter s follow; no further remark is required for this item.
5h43
